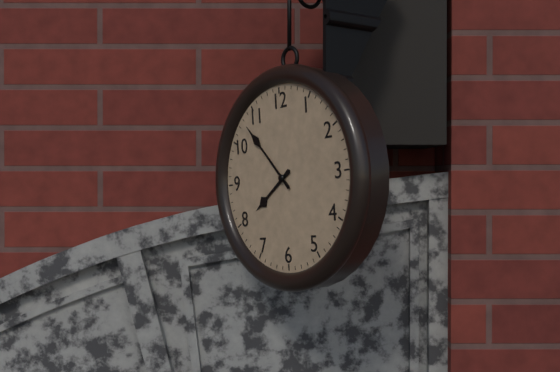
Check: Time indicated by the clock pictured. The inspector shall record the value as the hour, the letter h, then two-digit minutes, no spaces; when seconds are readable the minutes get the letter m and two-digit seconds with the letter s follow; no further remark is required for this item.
7h53
